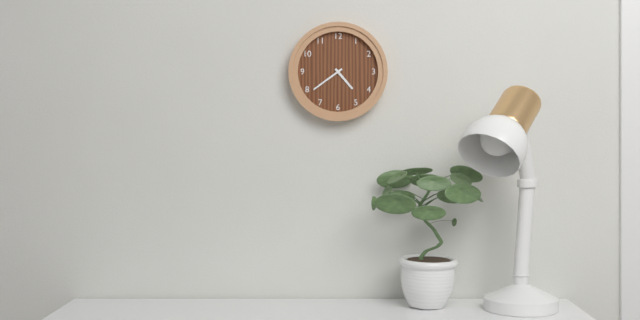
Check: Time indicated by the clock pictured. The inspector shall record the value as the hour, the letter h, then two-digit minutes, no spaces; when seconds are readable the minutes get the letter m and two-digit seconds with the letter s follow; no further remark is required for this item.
4h39
